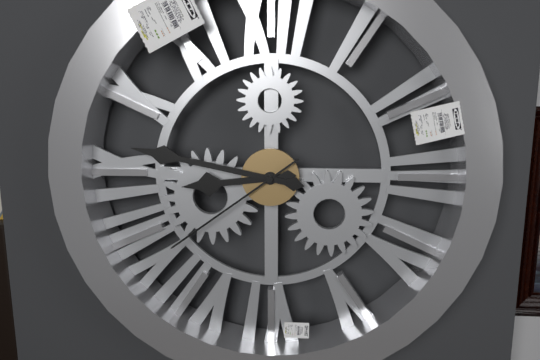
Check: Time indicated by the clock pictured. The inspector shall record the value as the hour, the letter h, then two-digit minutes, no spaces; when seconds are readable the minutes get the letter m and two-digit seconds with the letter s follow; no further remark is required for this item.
8h47m39s
